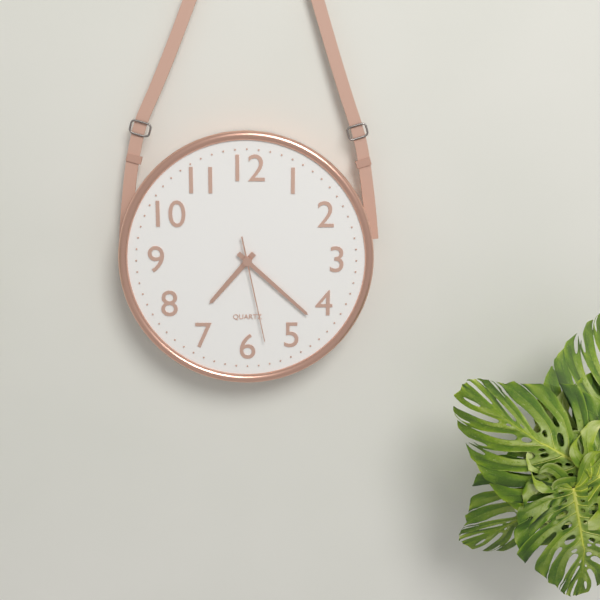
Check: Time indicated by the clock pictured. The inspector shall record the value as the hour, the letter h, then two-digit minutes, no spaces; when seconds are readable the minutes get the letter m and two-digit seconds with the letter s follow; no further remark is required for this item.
7h22m28s
